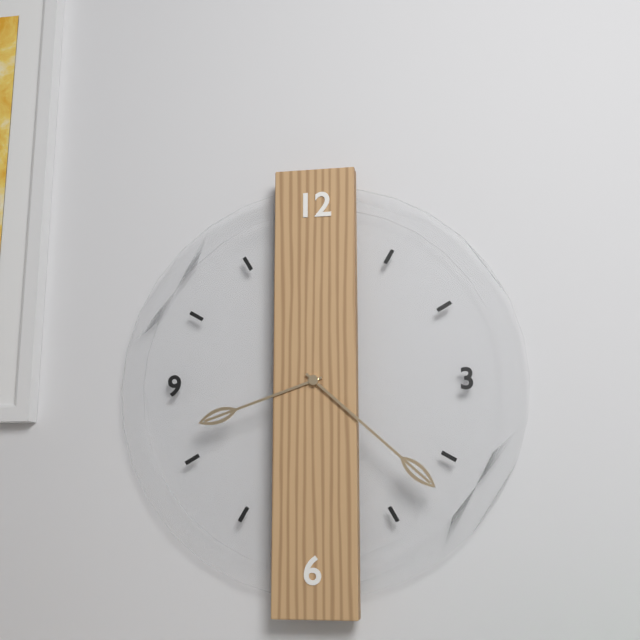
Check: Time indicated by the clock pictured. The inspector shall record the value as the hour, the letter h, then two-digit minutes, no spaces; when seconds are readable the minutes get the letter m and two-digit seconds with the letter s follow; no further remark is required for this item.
8h22
